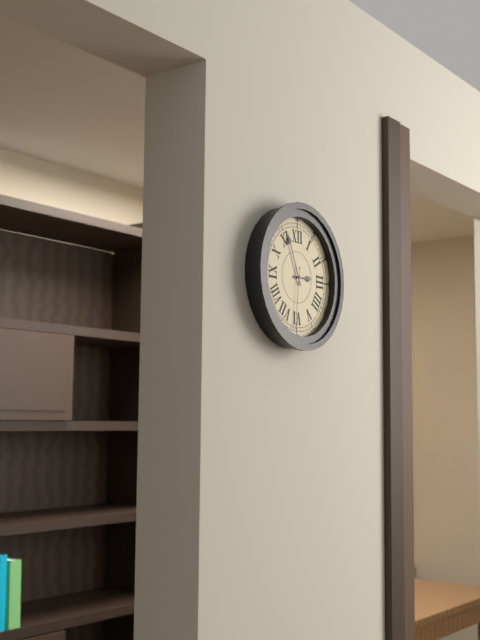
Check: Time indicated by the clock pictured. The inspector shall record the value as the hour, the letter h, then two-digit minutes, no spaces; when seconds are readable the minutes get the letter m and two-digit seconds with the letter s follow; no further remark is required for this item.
2h56m31s
